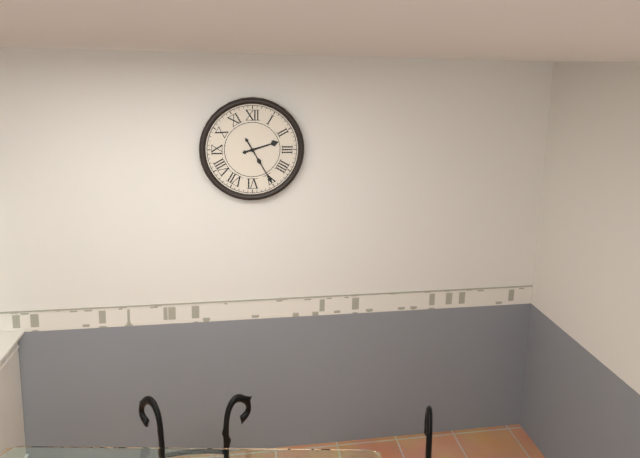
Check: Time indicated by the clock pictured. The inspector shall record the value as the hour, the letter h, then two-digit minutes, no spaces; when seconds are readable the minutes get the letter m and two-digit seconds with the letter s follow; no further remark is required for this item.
2h25
